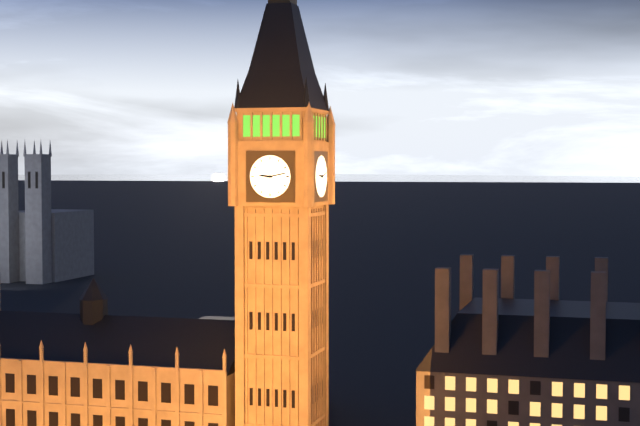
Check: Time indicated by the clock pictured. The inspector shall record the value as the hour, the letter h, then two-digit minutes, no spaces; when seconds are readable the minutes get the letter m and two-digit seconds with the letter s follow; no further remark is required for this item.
9h13
